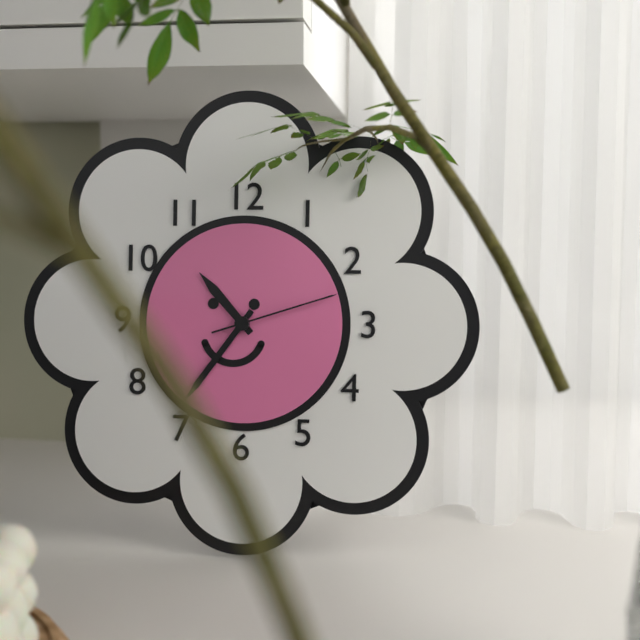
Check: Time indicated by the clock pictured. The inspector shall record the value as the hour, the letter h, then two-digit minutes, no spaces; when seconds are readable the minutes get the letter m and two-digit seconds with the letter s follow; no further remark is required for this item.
10h36m12s
